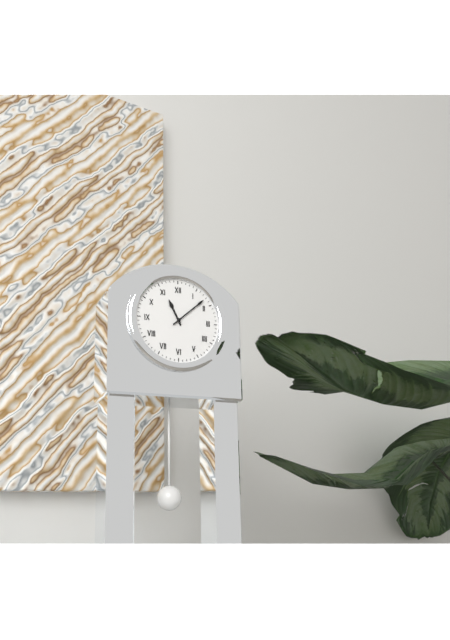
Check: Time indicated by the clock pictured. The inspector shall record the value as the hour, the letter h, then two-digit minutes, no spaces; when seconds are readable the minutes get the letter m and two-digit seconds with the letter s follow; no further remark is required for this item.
11h08
